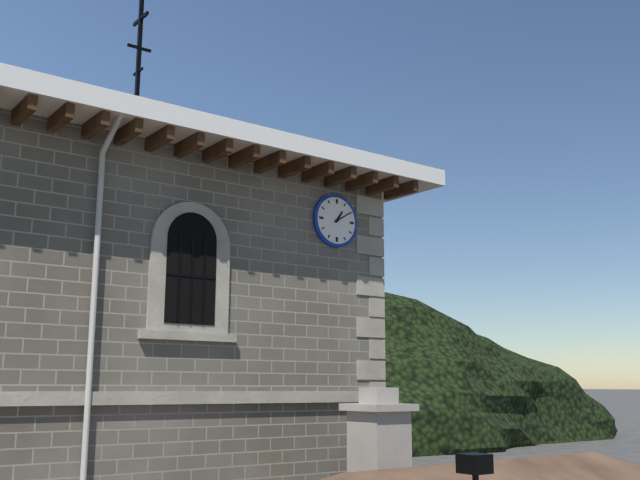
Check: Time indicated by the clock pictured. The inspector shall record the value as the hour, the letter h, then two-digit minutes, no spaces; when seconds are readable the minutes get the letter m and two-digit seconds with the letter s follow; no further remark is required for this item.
1h10
